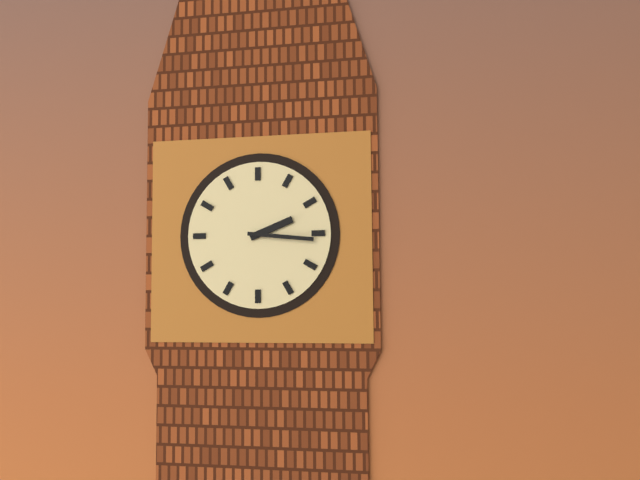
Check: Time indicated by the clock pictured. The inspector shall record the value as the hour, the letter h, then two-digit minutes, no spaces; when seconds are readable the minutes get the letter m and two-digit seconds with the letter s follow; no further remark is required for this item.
2h16
